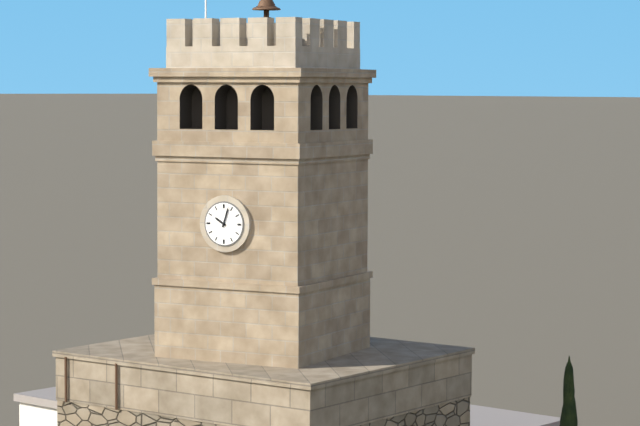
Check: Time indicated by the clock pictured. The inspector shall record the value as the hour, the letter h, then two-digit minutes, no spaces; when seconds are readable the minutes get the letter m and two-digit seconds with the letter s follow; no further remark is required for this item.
10h03
